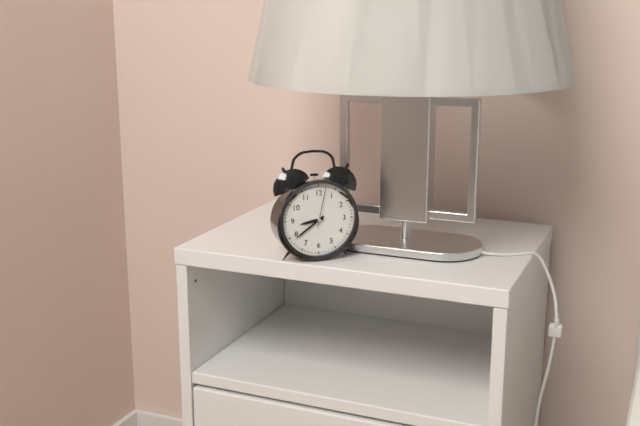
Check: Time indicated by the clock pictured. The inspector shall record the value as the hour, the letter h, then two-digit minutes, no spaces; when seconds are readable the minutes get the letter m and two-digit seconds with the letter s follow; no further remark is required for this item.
8h39
